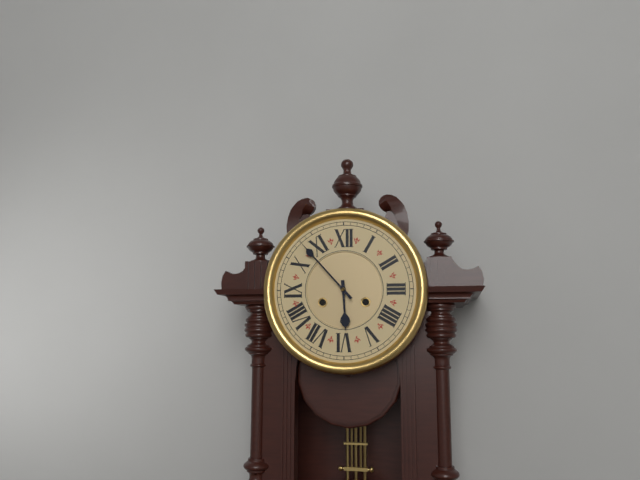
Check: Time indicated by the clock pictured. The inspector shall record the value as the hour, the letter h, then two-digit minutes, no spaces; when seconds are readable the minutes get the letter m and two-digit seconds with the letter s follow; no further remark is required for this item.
5h53
